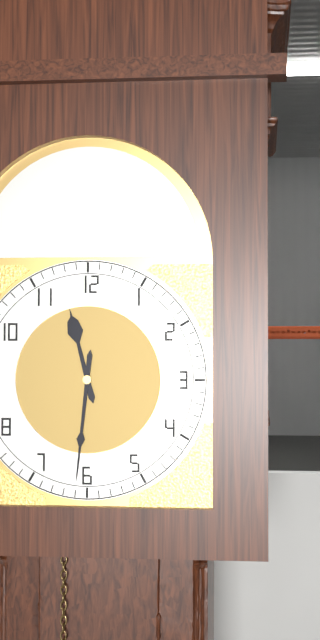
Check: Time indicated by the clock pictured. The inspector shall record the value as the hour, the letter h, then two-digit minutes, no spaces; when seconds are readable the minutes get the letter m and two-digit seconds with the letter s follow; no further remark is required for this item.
11h31
